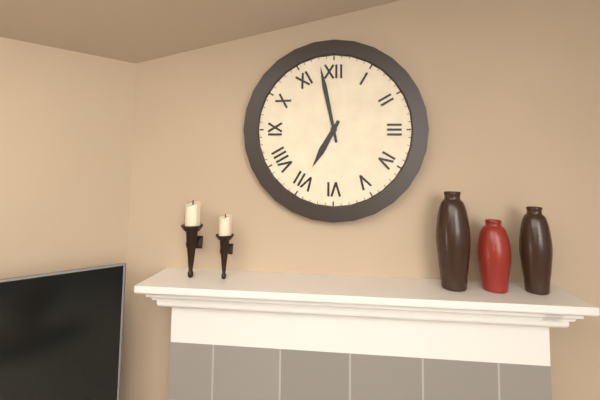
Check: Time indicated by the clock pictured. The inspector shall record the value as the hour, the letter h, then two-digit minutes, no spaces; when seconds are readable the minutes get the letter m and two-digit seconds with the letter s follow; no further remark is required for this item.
6h58
